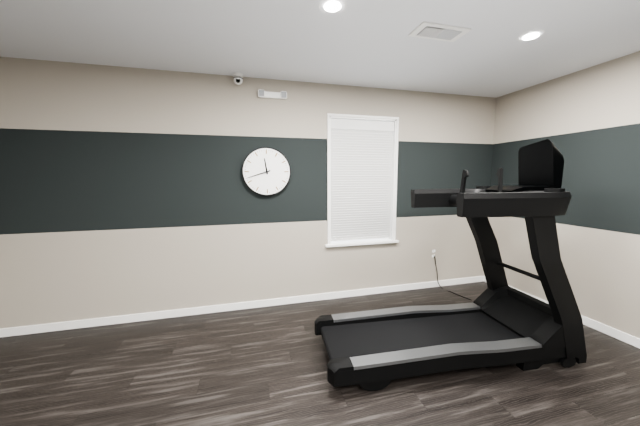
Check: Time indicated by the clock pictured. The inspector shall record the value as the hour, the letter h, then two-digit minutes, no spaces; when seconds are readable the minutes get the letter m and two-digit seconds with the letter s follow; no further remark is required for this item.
11h42
